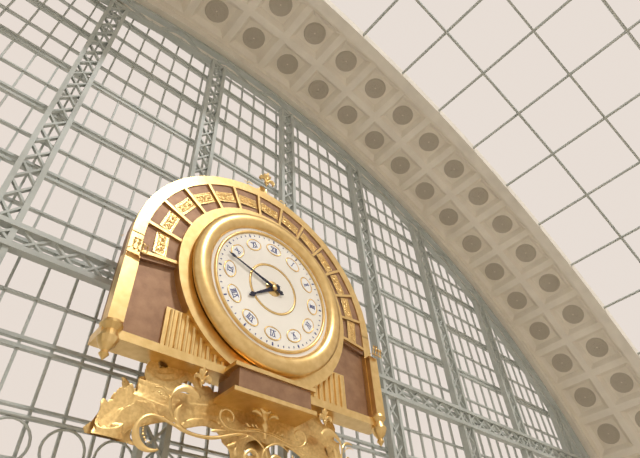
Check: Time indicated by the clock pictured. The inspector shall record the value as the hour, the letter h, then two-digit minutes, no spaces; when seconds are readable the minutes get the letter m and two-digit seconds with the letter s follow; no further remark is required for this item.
7h48
